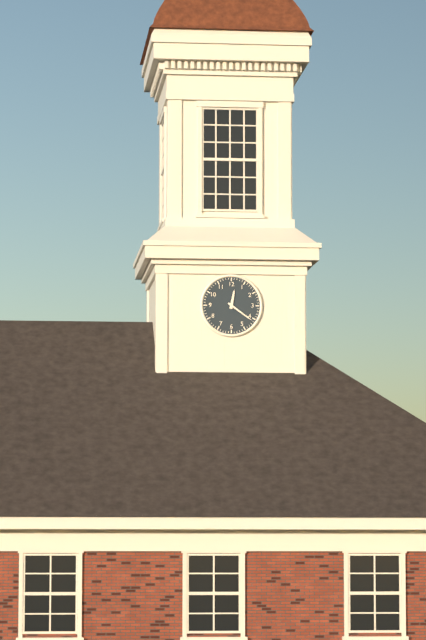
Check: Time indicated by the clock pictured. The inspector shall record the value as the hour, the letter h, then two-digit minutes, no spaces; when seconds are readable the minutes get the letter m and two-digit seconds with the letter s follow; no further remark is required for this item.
12h21
